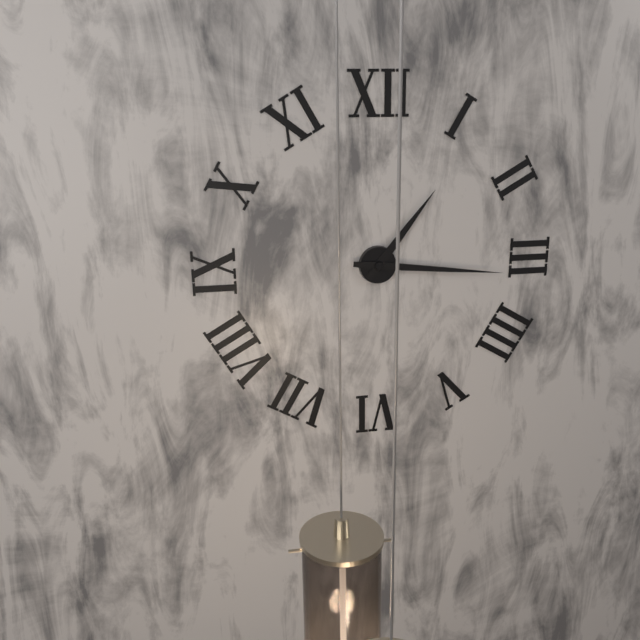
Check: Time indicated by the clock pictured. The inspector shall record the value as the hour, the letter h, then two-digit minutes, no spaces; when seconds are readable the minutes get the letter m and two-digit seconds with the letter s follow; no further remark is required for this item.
1h16
